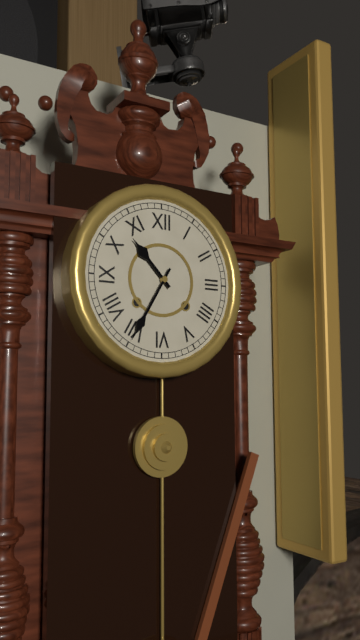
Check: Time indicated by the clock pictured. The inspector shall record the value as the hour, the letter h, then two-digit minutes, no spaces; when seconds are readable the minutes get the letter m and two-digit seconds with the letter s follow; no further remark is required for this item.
10h35
